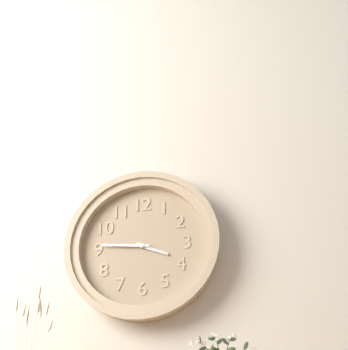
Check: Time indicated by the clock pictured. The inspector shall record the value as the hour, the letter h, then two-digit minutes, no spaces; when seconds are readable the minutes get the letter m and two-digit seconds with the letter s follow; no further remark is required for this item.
3h46
